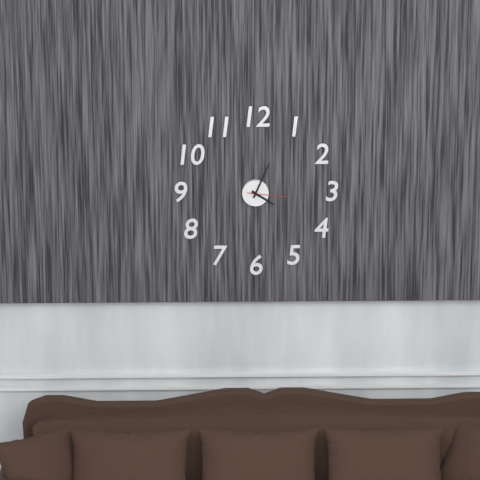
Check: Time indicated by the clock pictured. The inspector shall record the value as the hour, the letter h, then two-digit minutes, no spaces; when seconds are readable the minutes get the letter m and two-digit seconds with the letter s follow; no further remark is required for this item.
4h04
